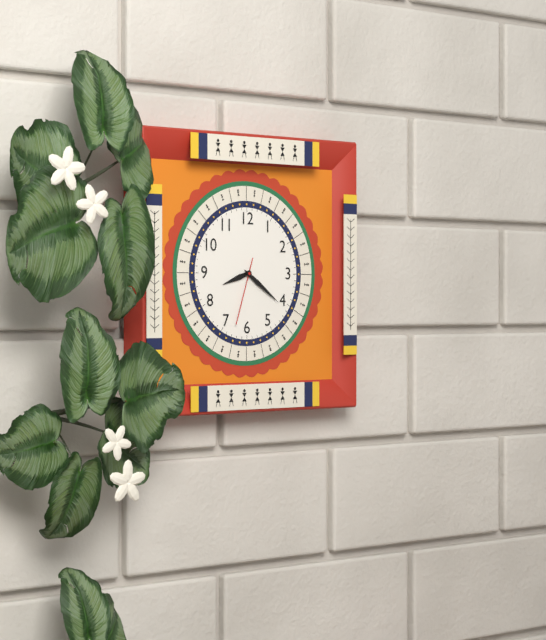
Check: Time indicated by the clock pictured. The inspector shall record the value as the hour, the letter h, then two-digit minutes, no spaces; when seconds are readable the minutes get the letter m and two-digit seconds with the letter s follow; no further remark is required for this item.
8h21m33s
